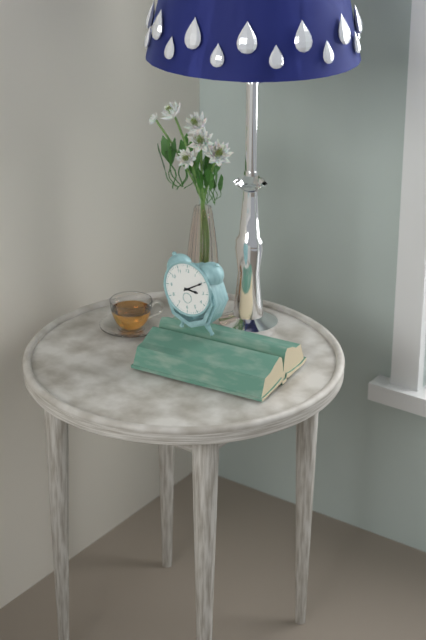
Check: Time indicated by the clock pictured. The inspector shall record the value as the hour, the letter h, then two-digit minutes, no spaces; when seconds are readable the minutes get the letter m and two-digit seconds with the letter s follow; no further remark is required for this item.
3h10
